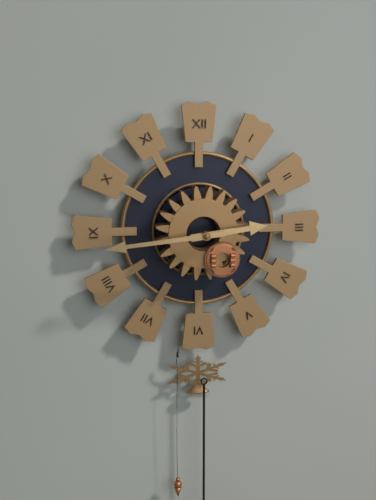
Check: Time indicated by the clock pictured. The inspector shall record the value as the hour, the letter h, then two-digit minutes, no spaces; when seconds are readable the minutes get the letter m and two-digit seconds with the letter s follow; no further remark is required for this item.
2h44
